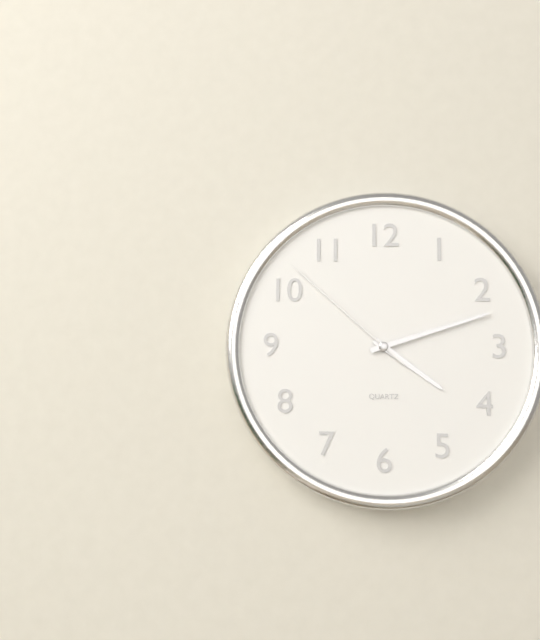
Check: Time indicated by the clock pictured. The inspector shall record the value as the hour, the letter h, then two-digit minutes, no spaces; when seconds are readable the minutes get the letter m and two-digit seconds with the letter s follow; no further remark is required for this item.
4h12m52s
